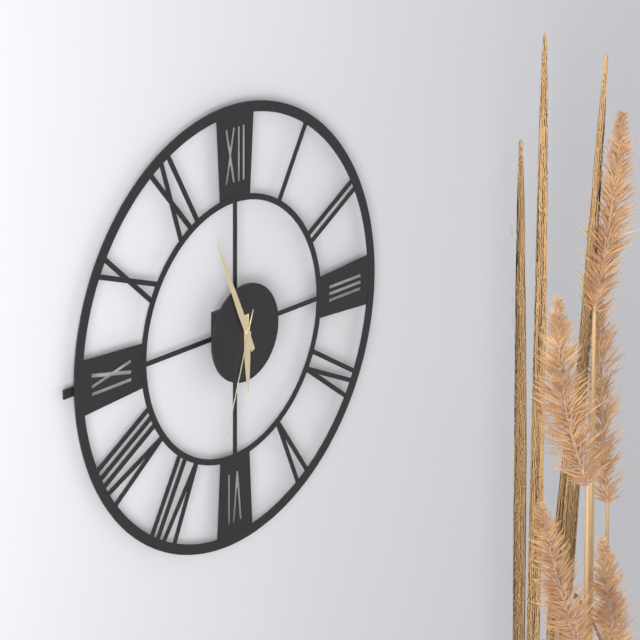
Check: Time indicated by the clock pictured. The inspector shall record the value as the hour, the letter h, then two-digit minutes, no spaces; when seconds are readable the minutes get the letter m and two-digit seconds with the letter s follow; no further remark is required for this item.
5h56m33s
